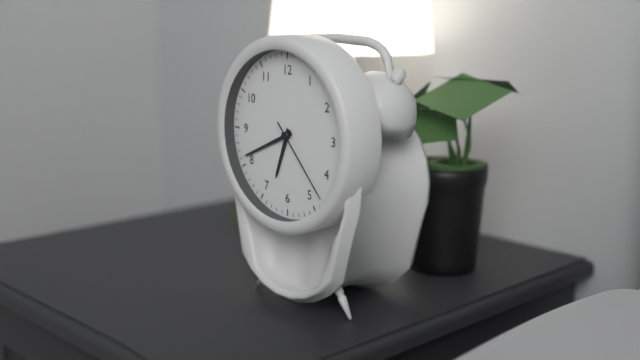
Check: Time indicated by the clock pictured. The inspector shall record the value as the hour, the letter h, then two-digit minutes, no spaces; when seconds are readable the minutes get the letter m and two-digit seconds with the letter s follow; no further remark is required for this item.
6h41m23s
